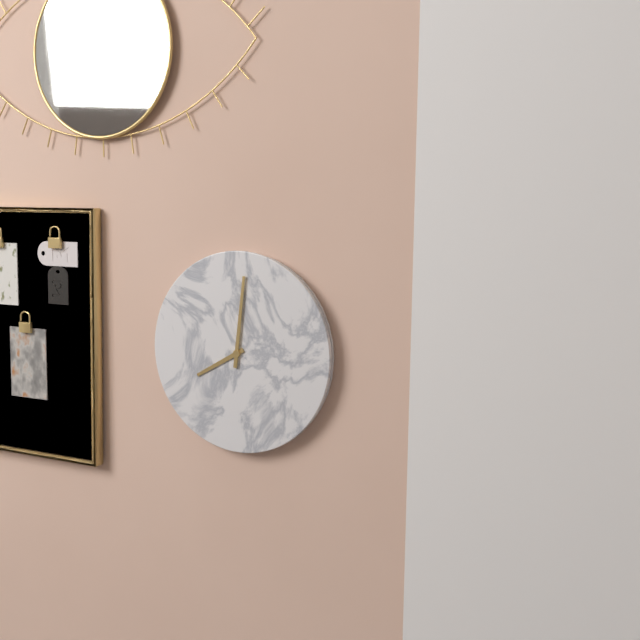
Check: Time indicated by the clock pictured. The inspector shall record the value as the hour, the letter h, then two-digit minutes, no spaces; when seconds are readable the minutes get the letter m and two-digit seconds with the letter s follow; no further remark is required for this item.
8h01
